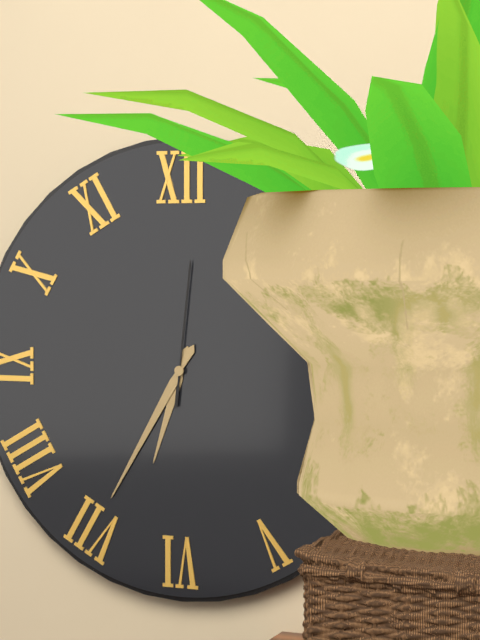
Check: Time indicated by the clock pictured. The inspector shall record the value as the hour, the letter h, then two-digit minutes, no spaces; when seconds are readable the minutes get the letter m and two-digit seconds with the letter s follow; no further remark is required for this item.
6h35m01s
